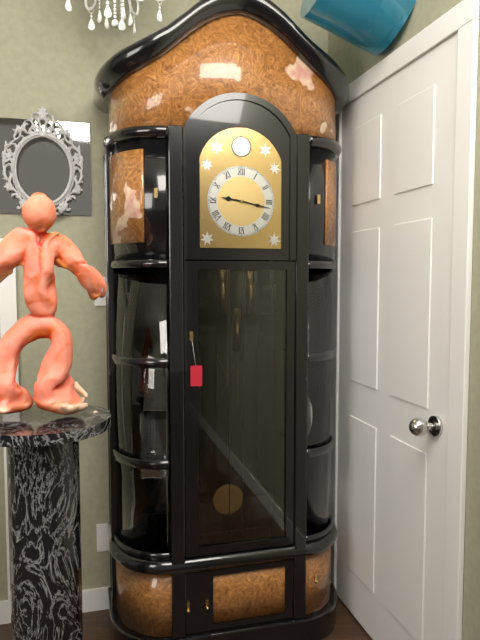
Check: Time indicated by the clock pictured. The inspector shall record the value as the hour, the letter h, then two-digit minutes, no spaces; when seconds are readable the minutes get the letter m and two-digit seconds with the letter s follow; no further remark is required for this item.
9h17
